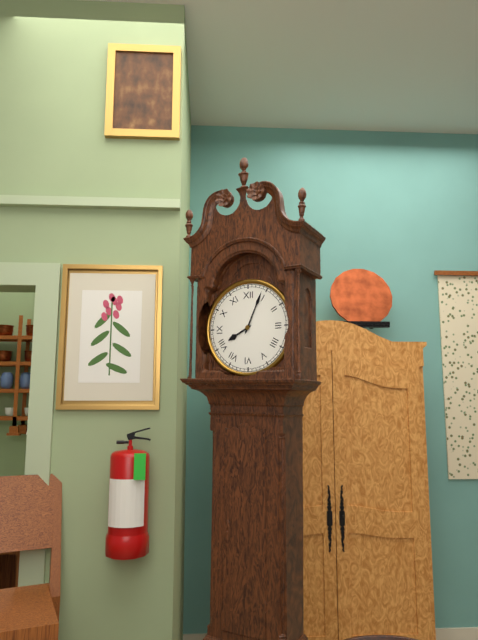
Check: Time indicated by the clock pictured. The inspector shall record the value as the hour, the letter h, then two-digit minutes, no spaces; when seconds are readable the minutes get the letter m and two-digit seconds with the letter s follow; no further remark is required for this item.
8h04
